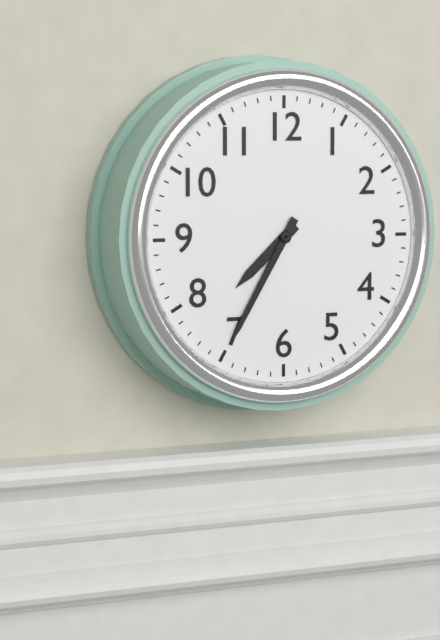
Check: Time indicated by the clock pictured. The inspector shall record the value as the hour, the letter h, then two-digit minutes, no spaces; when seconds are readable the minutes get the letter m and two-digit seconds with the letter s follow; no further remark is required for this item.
7h35
